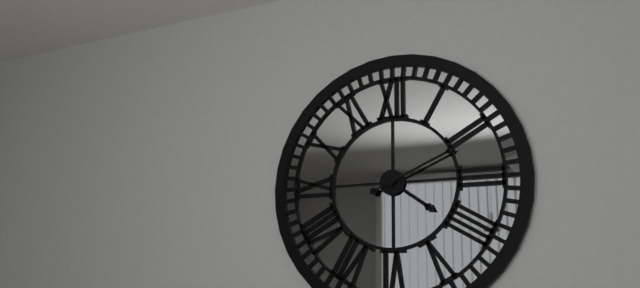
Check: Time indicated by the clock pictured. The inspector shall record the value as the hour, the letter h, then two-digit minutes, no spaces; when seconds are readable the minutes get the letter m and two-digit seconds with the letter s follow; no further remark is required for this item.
4h11
